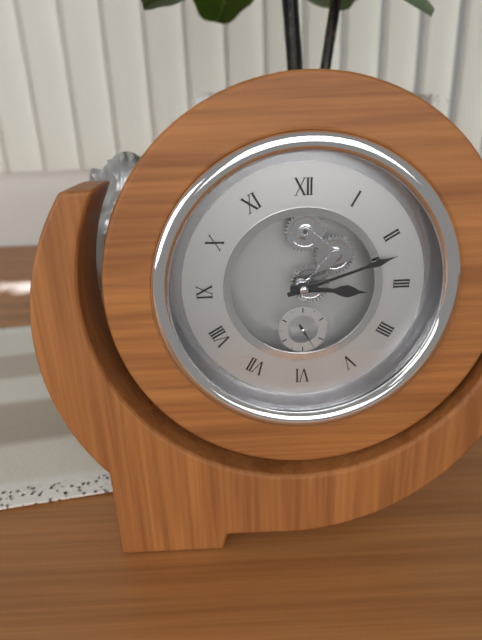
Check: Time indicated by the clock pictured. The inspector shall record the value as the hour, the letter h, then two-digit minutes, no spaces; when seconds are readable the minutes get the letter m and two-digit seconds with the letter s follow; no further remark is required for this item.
3h12
